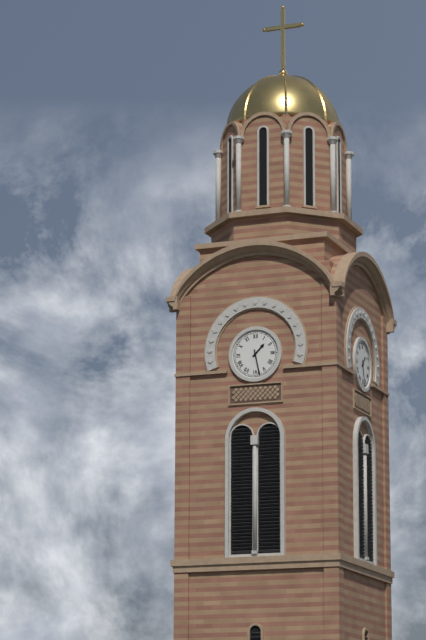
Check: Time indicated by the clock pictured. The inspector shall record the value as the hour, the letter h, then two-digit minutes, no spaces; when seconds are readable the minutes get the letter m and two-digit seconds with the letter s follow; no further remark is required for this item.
1h28
